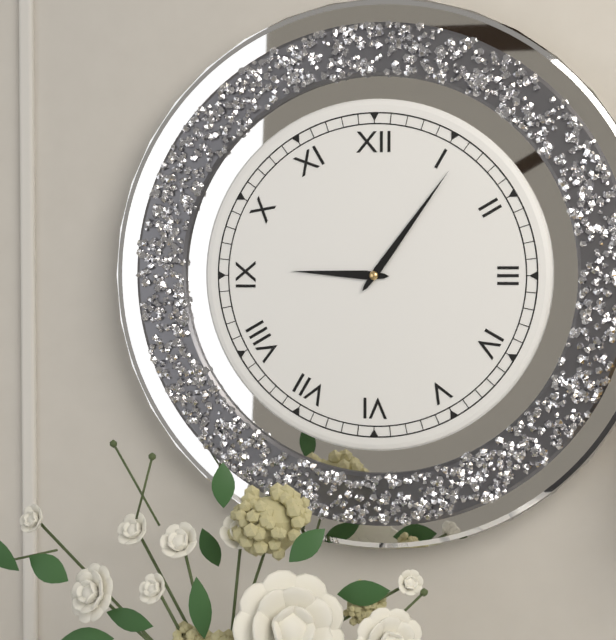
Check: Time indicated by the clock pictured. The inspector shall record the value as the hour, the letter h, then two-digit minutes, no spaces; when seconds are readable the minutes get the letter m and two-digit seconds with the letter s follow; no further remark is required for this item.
9h06
